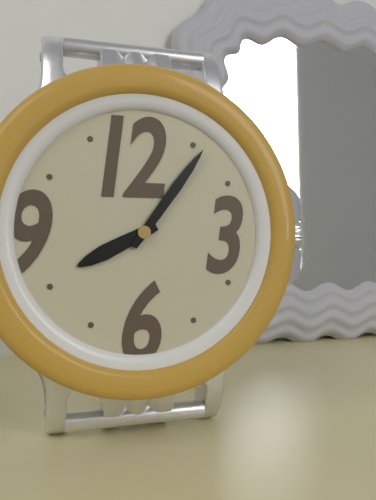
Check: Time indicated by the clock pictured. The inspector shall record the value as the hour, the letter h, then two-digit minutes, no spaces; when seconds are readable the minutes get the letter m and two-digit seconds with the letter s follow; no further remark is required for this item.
8h06
